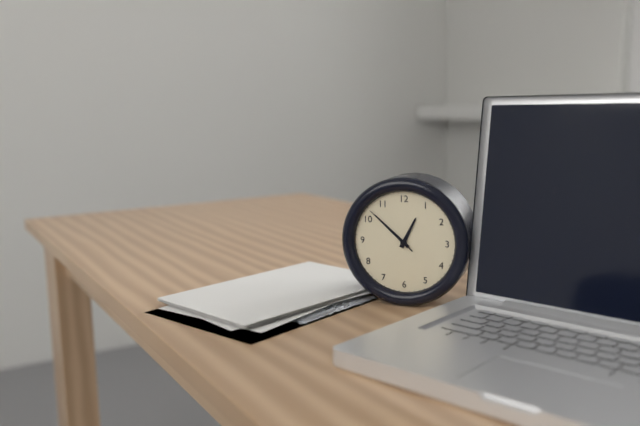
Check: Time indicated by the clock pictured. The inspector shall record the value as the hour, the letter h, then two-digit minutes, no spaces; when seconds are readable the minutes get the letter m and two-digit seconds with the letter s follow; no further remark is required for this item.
12h52m52s
